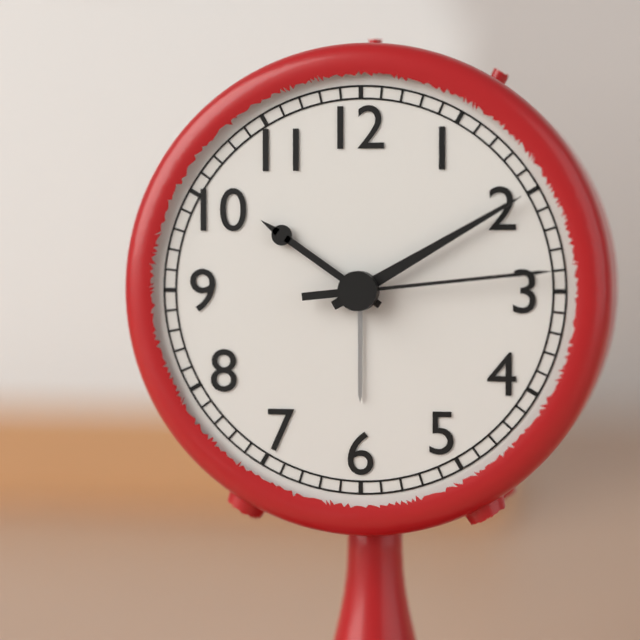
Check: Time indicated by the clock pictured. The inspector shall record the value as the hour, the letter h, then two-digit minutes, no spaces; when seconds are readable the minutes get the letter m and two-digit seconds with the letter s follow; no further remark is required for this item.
10h10m14s
